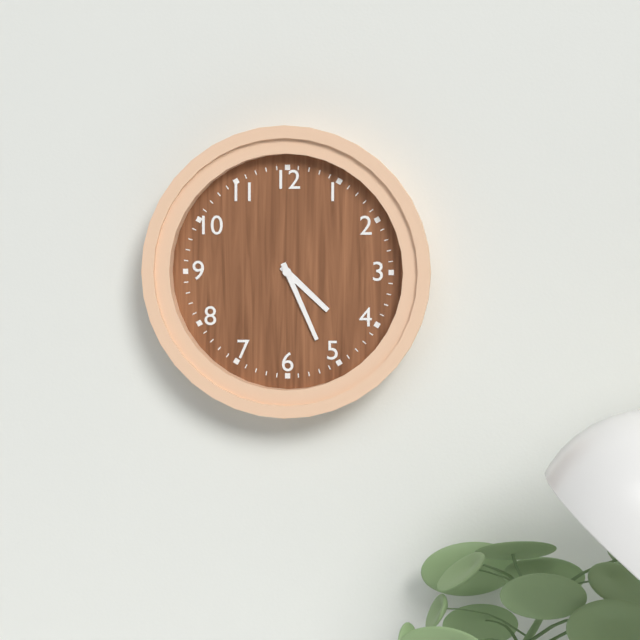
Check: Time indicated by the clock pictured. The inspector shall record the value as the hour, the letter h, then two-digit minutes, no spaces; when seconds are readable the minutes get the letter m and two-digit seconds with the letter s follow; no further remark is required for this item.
4h26
